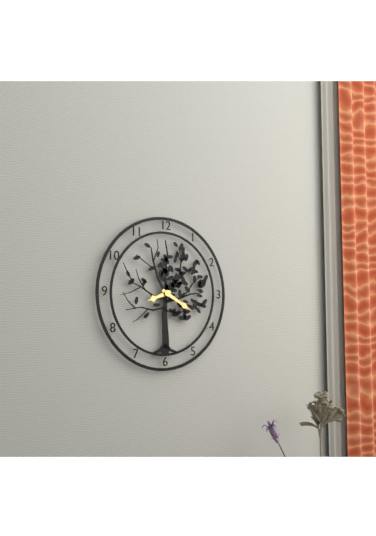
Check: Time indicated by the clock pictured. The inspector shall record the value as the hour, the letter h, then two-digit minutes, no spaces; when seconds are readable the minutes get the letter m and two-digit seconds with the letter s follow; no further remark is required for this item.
8h20
